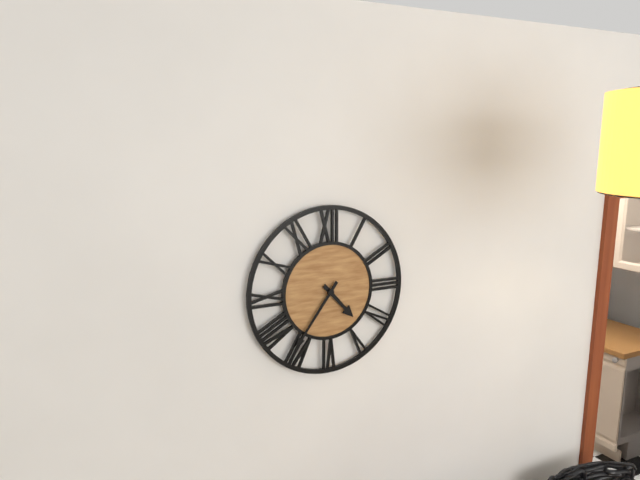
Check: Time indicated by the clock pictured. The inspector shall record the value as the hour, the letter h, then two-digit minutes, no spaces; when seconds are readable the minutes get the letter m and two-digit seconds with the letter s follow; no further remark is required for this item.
4h36
